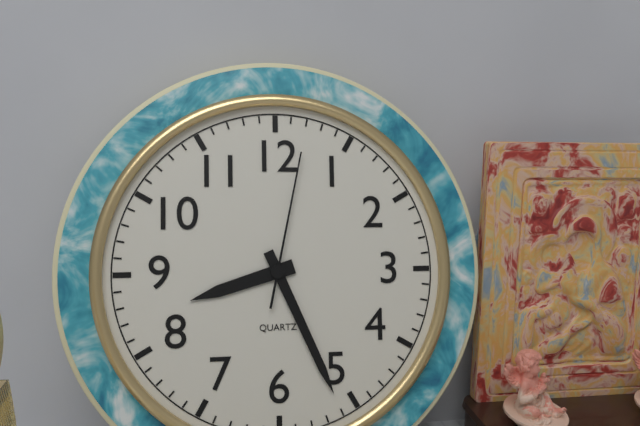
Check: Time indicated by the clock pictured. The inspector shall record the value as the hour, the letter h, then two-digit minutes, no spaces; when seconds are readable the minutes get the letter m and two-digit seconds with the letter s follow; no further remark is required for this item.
8h26m02s
